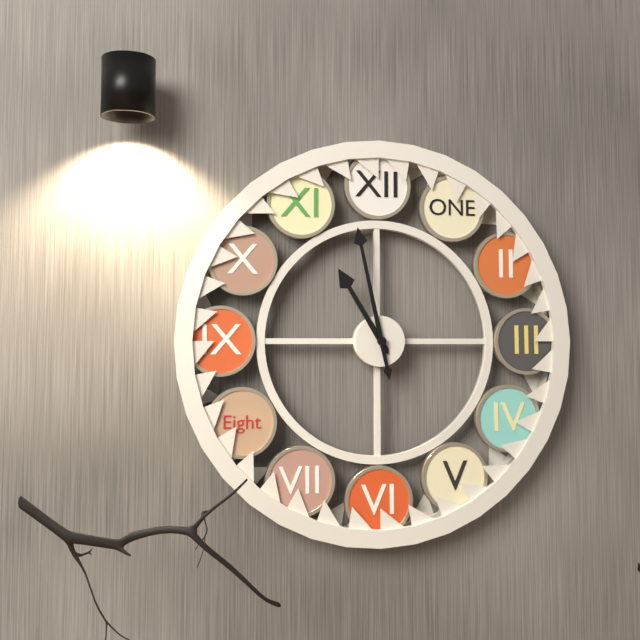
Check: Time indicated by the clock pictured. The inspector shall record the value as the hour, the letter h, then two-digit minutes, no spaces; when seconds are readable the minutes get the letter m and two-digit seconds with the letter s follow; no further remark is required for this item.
10h58
